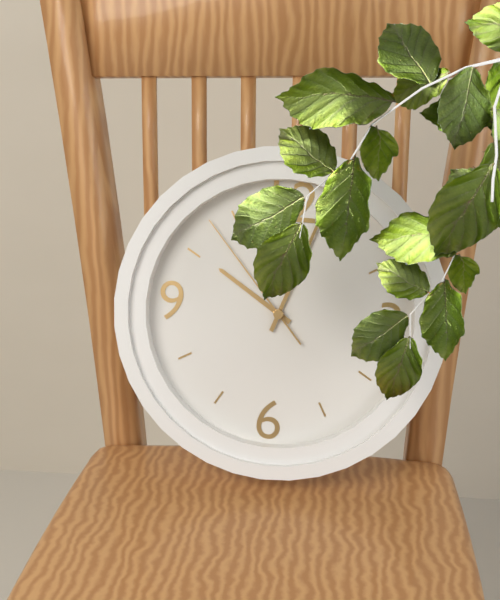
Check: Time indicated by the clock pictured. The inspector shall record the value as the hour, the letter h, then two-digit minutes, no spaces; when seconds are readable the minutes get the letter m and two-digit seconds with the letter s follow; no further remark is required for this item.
10h03m53s
